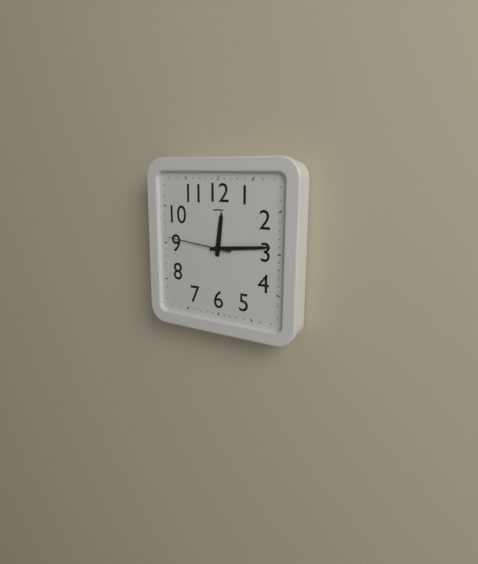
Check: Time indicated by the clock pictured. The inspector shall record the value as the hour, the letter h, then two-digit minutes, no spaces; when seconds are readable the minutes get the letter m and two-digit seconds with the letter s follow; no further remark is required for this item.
12h14m46s
